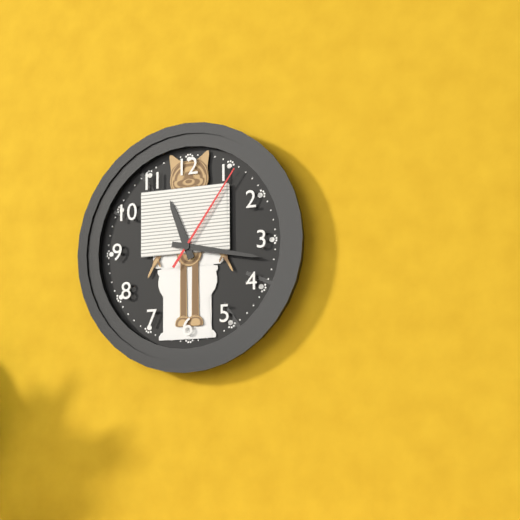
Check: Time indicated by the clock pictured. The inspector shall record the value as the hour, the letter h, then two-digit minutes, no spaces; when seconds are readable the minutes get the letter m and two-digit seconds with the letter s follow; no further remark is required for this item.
11h17m06s
